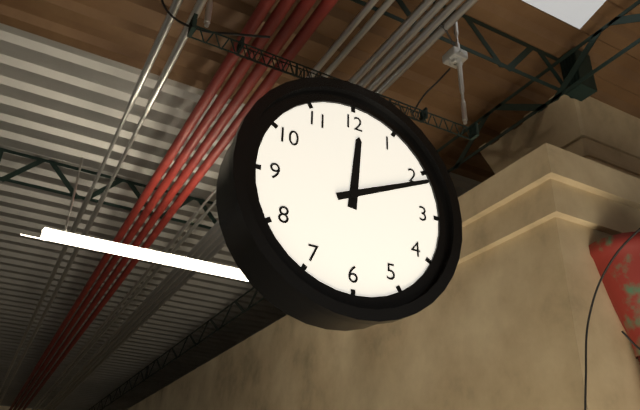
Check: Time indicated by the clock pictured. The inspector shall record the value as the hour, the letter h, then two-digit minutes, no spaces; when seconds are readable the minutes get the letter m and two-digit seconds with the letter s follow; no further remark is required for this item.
12h11
